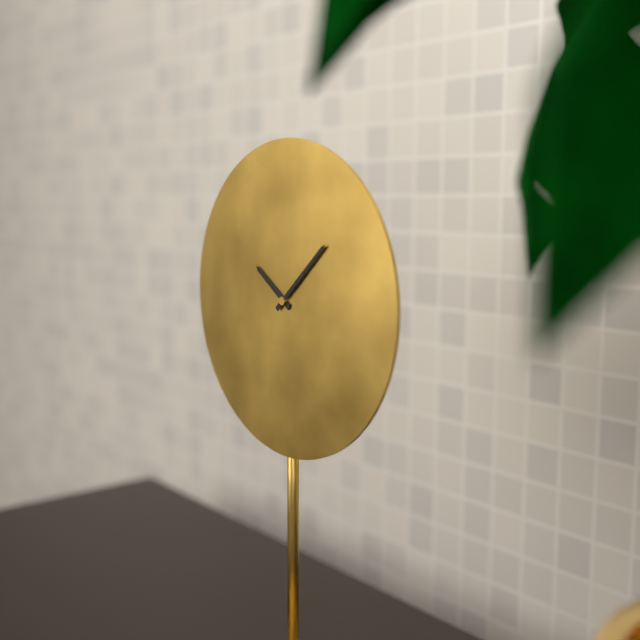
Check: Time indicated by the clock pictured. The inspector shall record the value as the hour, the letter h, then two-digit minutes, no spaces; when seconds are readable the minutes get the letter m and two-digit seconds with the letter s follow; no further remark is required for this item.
10h08
